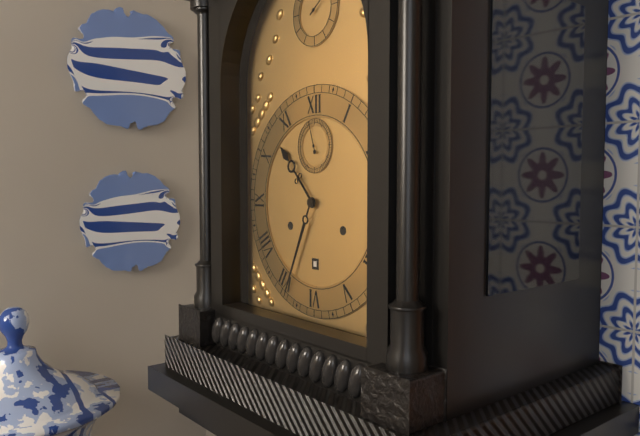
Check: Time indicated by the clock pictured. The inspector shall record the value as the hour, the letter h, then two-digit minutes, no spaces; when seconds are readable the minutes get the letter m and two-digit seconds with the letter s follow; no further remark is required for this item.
10h34
